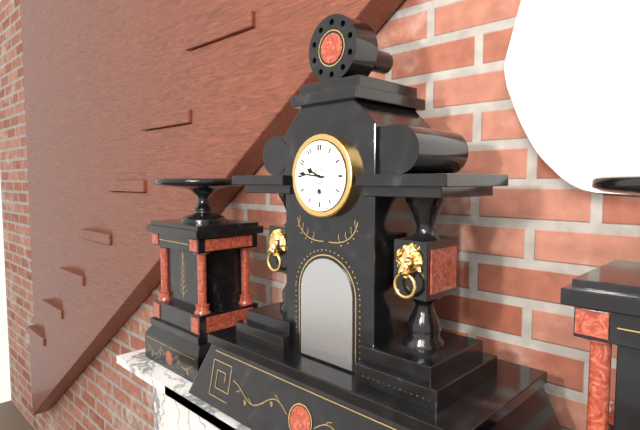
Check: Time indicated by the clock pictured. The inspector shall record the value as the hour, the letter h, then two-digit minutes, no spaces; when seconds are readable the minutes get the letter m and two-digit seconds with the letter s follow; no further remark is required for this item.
9h46
